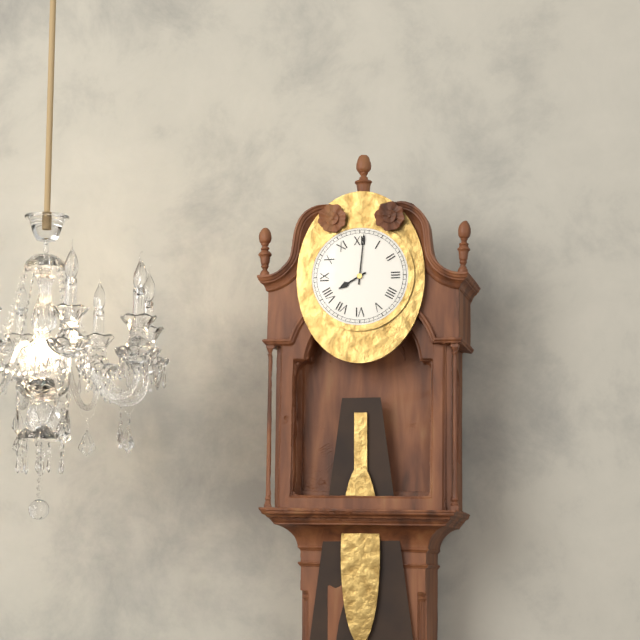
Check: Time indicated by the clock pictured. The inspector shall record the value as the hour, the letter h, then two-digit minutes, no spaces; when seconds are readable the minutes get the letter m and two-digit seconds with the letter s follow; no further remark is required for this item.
8h01
